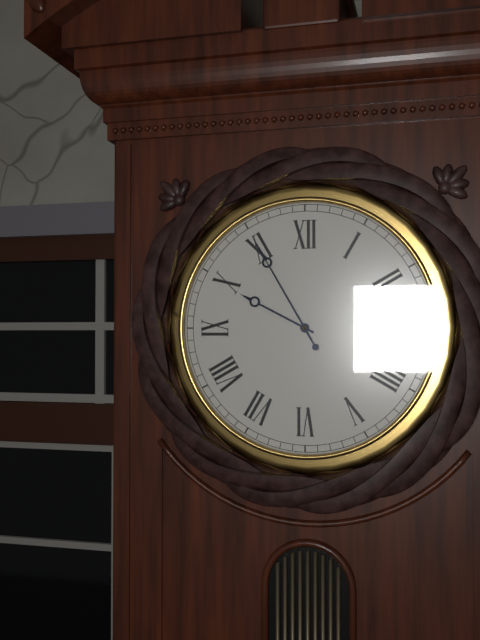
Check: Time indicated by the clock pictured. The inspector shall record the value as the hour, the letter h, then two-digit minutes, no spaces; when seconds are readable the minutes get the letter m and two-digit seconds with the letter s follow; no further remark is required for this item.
9h55m55s
